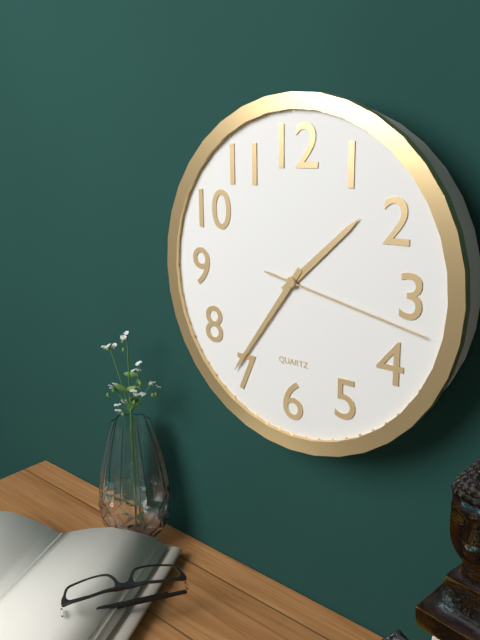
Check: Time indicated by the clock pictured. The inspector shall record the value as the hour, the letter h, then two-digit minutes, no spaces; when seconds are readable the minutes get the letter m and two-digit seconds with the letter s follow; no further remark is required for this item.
1h36m17s
